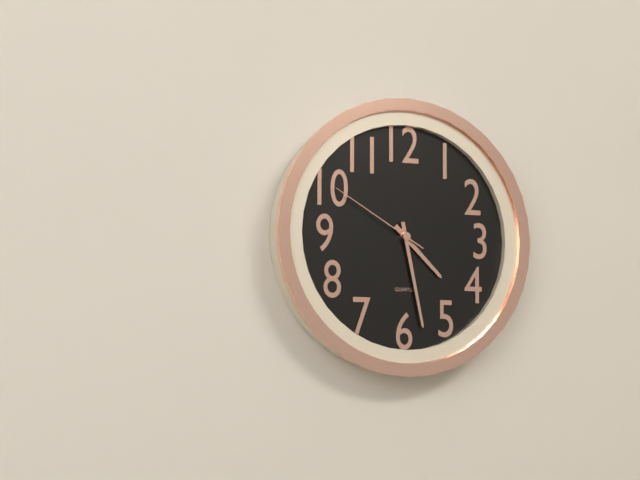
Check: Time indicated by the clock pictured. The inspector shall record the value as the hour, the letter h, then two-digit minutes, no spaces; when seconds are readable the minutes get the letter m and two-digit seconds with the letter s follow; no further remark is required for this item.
4h28m50s
